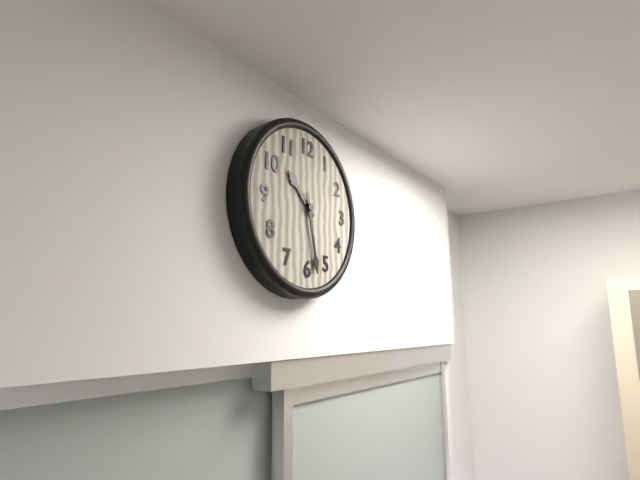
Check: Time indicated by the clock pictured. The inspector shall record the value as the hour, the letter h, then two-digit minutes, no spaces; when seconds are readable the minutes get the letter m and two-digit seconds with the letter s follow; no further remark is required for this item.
10h28
